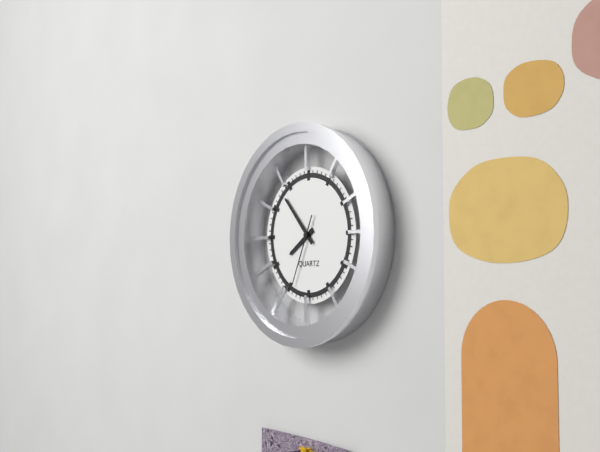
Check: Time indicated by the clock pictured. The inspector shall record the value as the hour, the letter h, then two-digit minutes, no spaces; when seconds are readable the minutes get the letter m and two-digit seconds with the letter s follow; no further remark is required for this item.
7h53m34s
